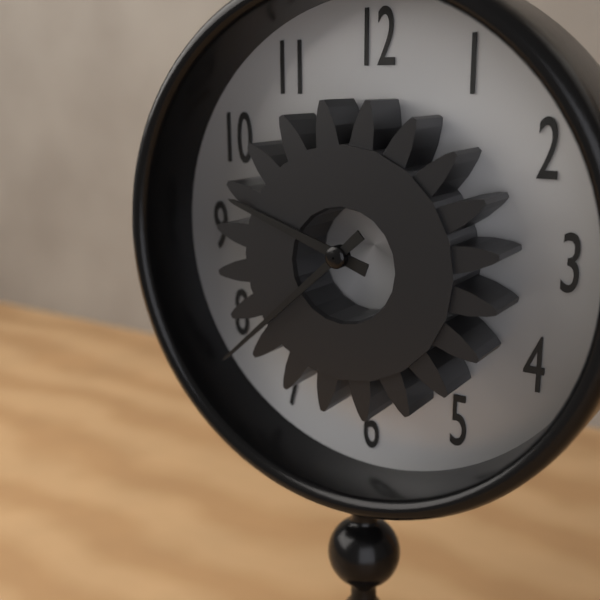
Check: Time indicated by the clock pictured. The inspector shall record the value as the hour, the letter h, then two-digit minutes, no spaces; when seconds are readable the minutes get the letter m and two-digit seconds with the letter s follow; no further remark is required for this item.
9h38
